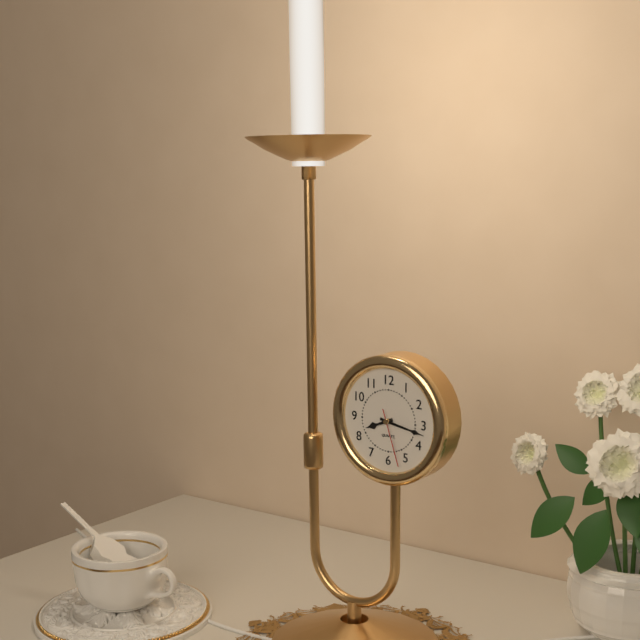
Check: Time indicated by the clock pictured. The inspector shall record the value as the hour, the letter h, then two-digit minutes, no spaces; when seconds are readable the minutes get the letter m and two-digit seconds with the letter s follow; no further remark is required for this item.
8h17m27s
